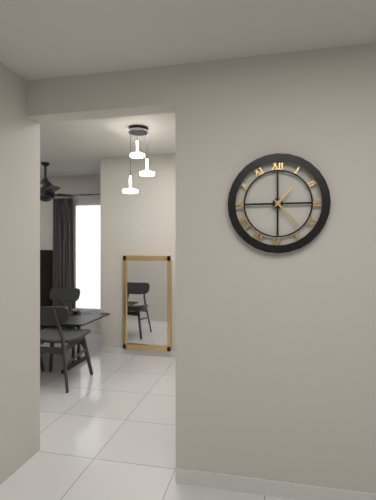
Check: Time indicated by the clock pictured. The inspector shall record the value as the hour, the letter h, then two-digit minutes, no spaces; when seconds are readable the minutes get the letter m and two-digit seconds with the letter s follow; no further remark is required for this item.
1h23
